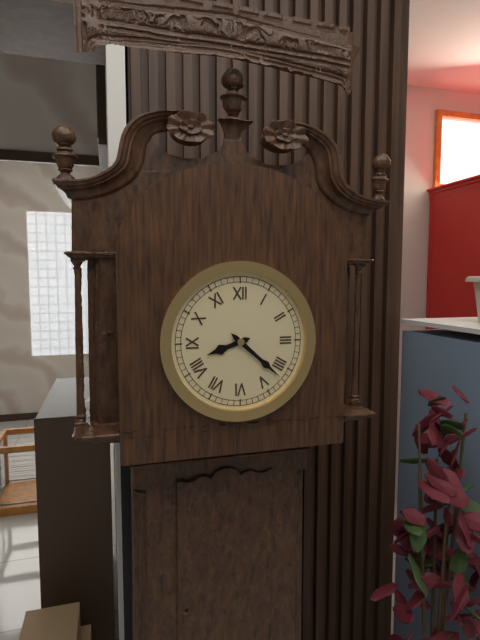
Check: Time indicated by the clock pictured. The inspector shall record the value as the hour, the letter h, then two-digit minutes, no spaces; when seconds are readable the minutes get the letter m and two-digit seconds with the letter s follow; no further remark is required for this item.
8h22
